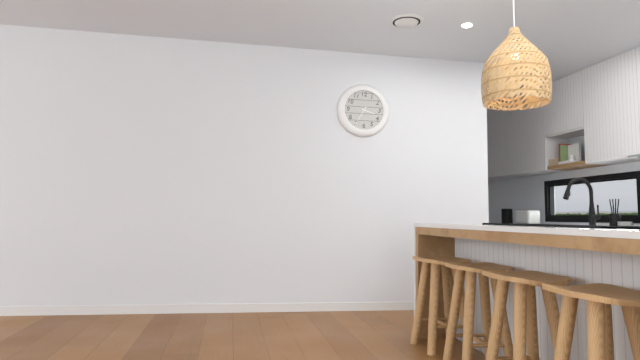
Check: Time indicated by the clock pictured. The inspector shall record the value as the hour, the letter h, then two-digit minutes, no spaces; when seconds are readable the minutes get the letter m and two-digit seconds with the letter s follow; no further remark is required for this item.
3h35
